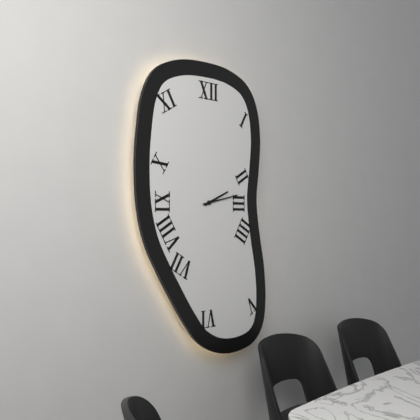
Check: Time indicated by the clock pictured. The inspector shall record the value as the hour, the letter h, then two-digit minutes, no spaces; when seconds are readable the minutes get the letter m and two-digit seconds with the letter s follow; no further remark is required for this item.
2h13
